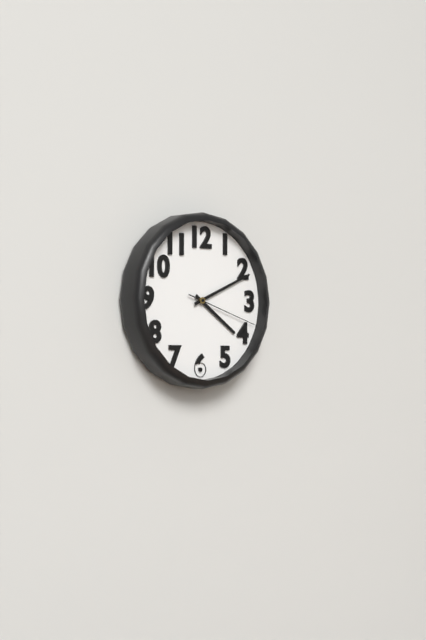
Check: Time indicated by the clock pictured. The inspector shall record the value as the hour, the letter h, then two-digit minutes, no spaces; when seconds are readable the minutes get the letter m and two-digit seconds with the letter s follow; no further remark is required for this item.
4h11m18s
